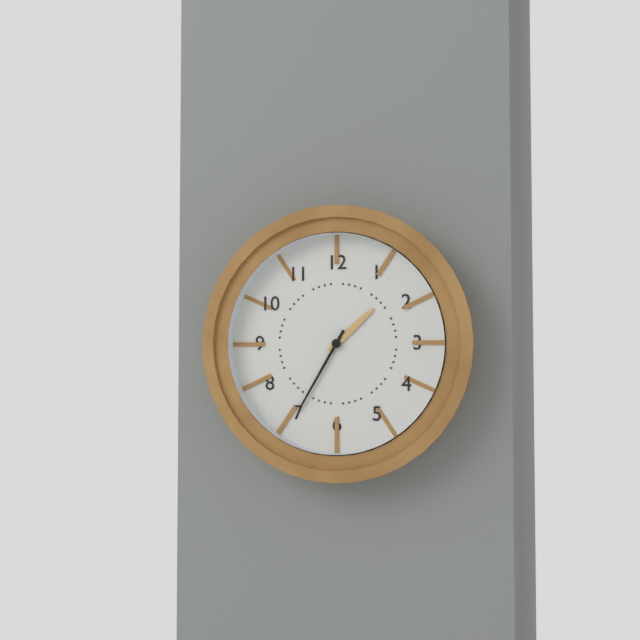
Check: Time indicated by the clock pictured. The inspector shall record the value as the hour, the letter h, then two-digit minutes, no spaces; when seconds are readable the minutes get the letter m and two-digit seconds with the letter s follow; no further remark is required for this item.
1h35
